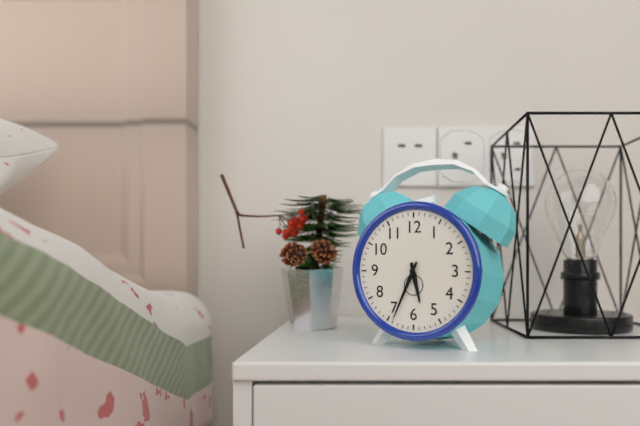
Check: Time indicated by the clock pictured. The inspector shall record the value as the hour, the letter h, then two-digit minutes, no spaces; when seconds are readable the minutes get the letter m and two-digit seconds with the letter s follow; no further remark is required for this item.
5h34
